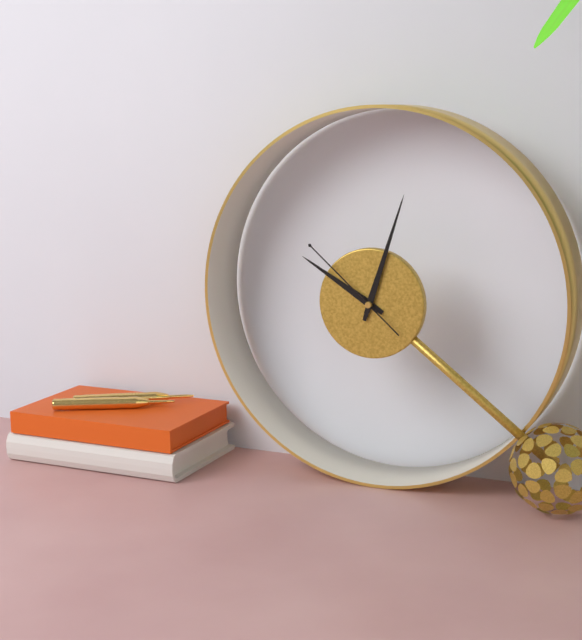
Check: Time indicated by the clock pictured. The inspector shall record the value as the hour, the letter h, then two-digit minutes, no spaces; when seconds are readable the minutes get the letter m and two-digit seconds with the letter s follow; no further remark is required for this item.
10h03m52s
